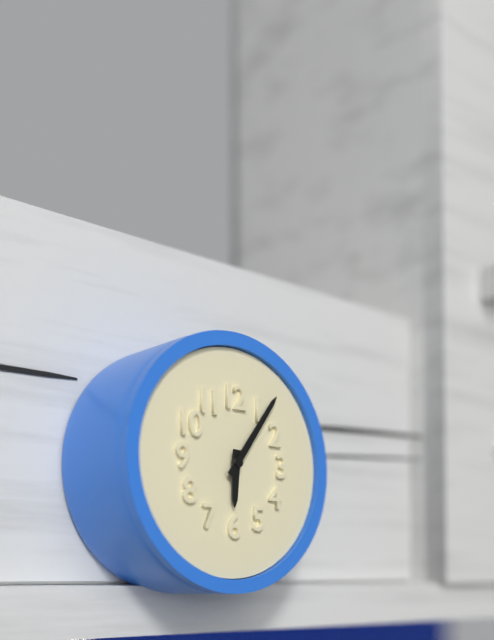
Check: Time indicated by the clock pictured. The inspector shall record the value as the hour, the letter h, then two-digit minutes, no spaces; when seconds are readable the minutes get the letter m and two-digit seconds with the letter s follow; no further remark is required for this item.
6h06
